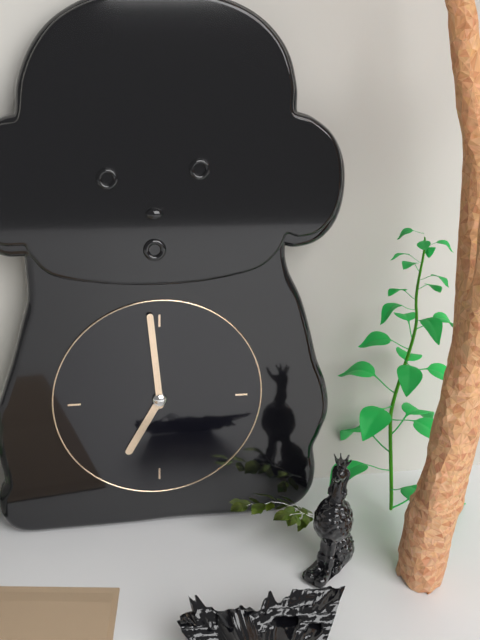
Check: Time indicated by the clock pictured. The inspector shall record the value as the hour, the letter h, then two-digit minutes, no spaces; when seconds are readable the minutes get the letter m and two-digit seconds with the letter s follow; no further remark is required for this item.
6h59
